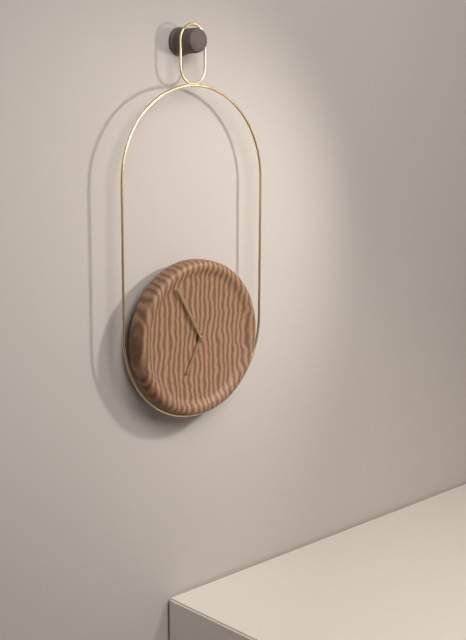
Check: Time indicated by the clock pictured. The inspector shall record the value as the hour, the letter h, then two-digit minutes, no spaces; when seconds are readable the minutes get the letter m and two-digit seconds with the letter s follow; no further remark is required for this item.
6h55
